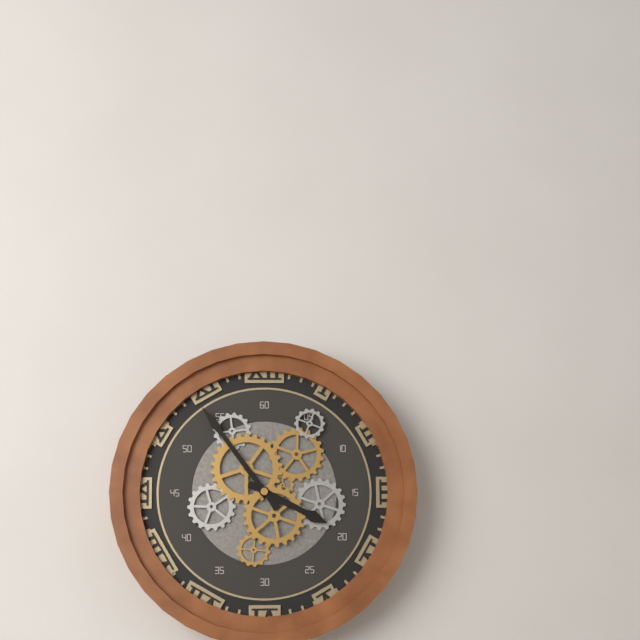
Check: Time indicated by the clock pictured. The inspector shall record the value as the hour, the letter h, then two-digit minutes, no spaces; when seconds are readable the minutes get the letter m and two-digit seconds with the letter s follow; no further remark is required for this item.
3h54
